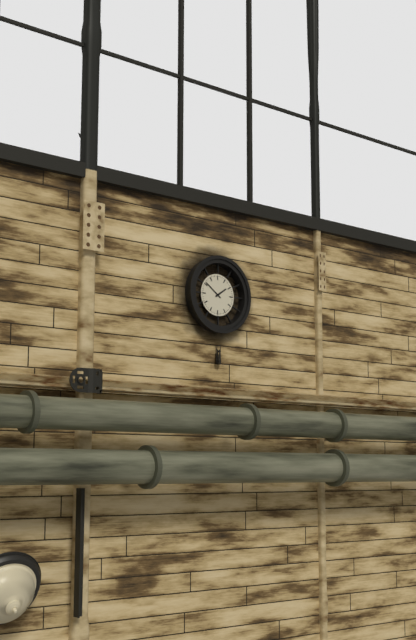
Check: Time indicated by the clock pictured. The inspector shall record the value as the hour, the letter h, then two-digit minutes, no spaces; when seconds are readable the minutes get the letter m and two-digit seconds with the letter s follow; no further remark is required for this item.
1h51
